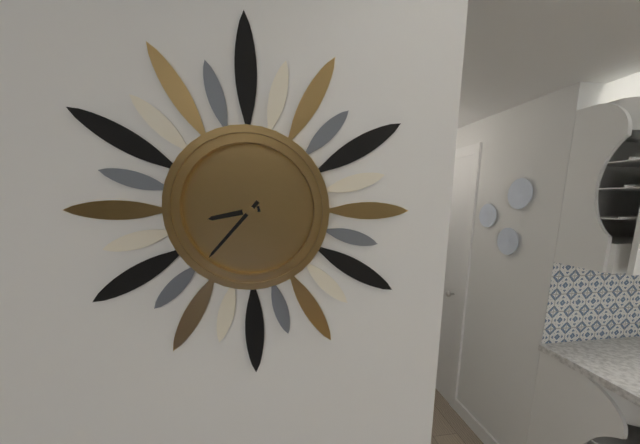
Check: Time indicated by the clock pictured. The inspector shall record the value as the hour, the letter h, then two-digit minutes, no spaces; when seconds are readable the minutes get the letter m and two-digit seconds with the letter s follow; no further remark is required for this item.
8h37
